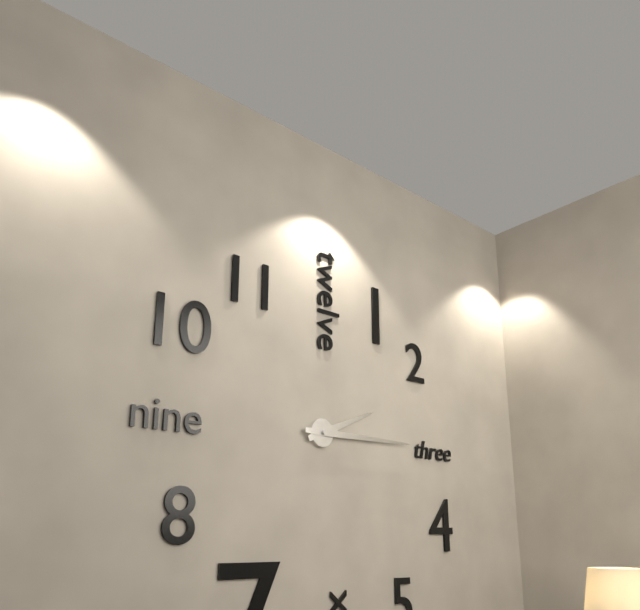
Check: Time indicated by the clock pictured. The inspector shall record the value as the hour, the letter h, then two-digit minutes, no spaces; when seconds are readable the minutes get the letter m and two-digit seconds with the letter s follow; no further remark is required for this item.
2h15
